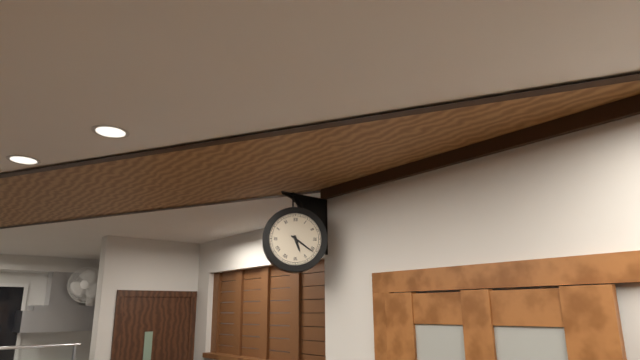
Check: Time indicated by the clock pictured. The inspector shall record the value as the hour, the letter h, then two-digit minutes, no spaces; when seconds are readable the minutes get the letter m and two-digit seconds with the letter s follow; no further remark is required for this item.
5h21
